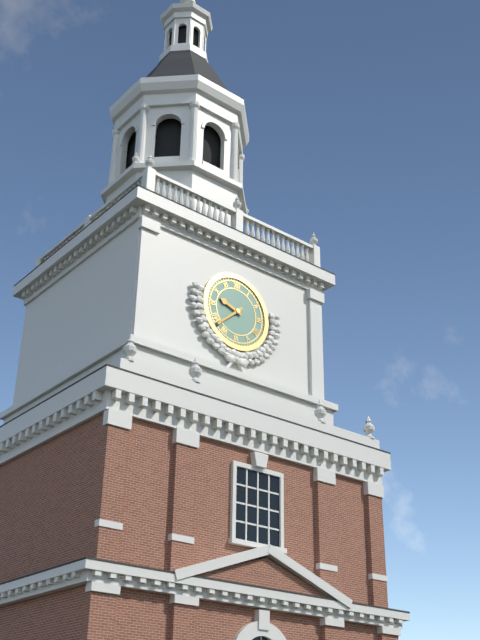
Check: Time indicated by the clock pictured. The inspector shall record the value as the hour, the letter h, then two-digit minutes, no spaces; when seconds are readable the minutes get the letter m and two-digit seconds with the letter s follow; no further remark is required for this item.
9h38
